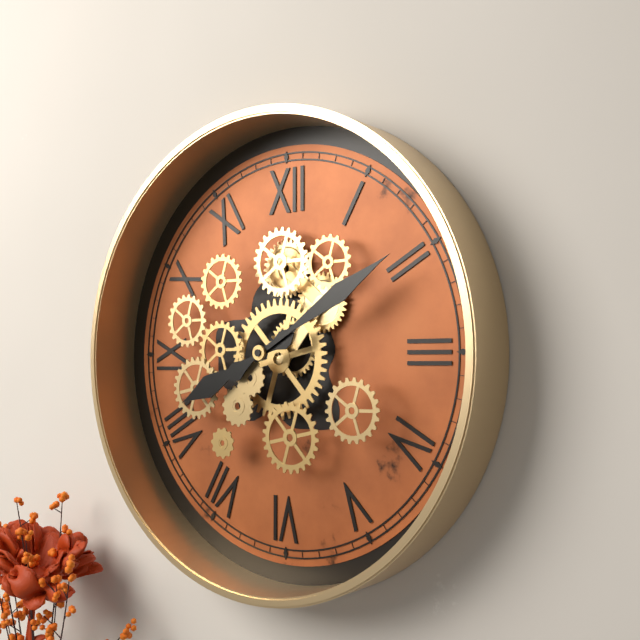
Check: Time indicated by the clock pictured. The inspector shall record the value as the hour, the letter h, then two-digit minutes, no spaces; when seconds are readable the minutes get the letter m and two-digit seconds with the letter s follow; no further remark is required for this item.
8h10
